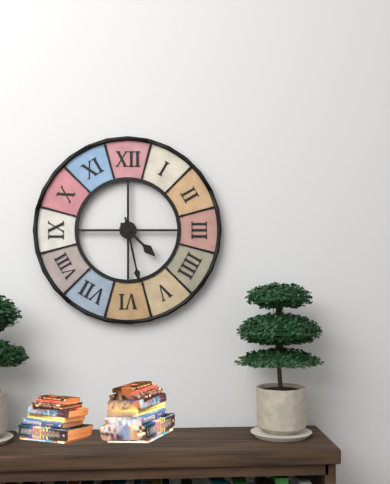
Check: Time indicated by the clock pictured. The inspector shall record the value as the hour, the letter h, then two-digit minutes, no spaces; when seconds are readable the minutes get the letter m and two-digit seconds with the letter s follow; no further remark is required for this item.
4h28
